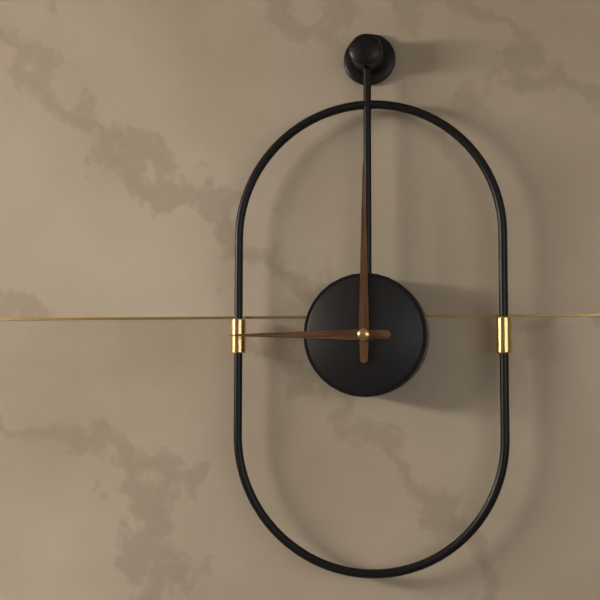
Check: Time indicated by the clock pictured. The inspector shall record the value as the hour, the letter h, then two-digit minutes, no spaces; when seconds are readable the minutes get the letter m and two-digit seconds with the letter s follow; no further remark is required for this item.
9h00
